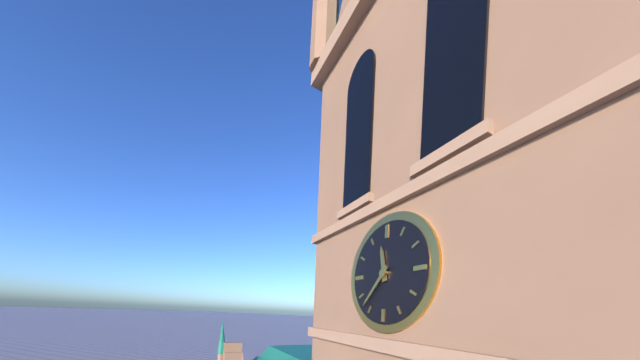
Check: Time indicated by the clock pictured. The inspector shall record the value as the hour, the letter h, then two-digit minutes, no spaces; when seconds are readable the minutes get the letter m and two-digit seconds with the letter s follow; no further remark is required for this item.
11h37
